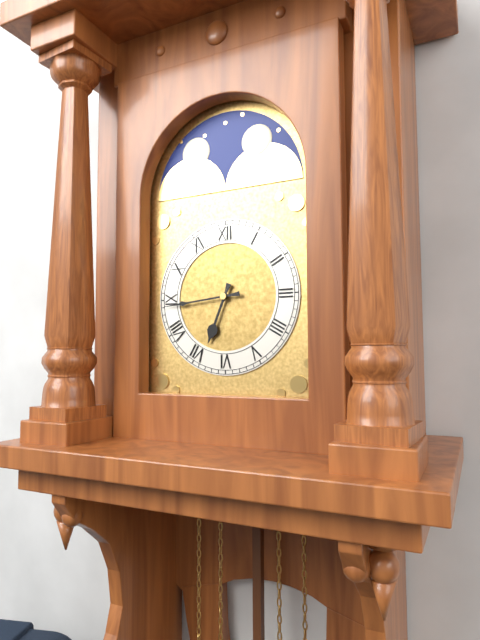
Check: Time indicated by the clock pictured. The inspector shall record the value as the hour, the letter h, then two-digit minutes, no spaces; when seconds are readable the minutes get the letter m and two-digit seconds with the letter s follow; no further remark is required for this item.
6h44
